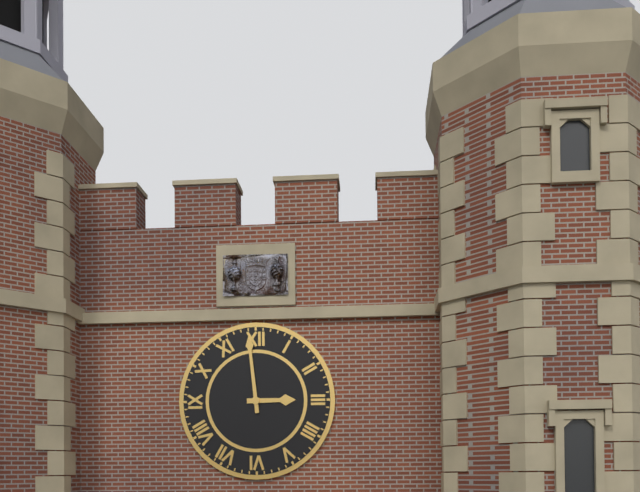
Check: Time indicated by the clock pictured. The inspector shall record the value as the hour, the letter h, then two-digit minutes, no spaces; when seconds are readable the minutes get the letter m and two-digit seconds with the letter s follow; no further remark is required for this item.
2h59
